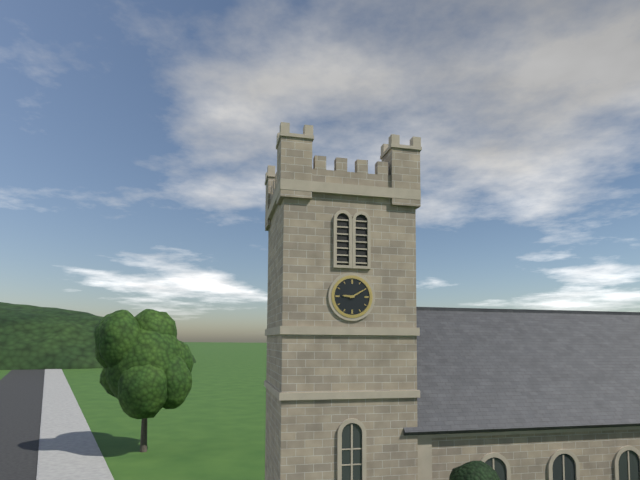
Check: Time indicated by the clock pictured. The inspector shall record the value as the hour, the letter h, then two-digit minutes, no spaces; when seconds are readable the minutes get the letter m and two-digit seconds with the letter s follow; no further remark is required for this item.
9h10
